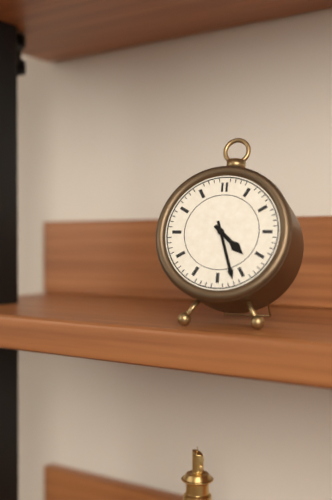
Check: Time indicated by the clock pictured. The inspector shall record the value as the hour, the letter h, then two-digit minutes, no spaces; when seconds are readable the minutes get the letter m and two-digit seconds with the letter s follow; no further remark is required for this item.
4h27
